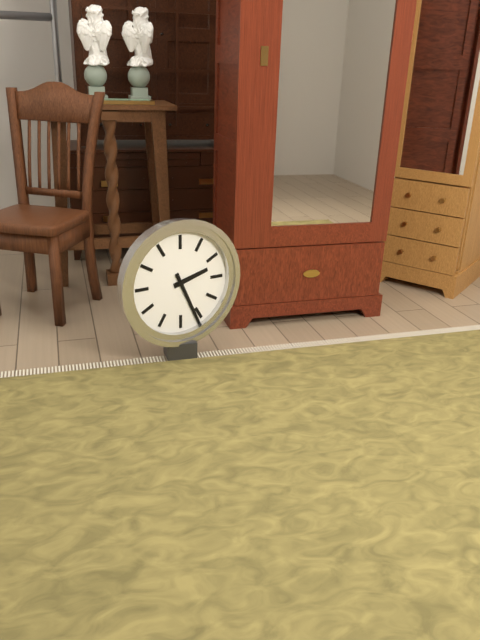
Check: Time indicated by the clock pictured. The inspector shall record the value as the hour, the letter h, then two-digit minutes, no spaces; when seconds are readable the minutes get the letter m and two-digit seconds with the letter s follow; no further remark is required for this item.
2h26
